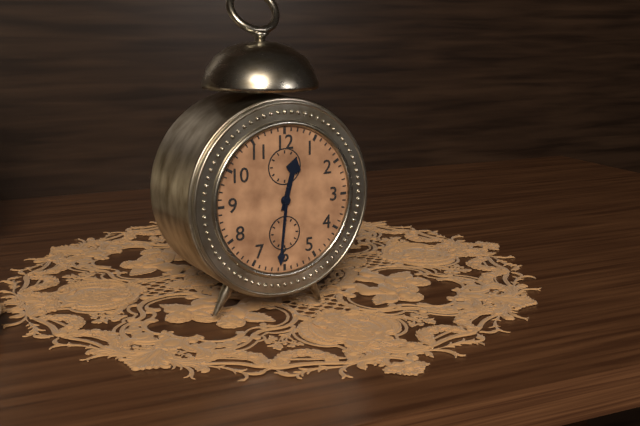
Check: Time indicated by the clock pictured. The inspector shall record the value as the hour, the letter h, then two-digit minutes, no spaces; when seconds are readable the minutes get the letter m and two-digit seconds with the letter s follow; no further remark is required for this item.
12h31
